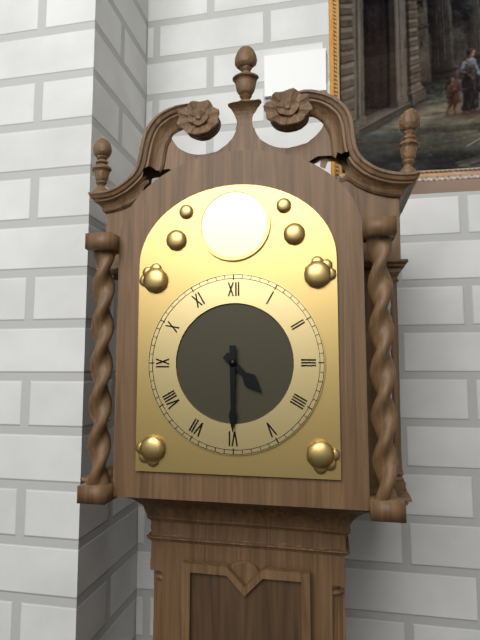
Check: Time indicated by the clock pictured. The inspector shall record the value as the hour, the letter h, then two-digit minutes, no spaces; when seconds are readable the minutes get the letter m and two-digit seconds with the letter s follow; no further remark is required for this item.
4h30
